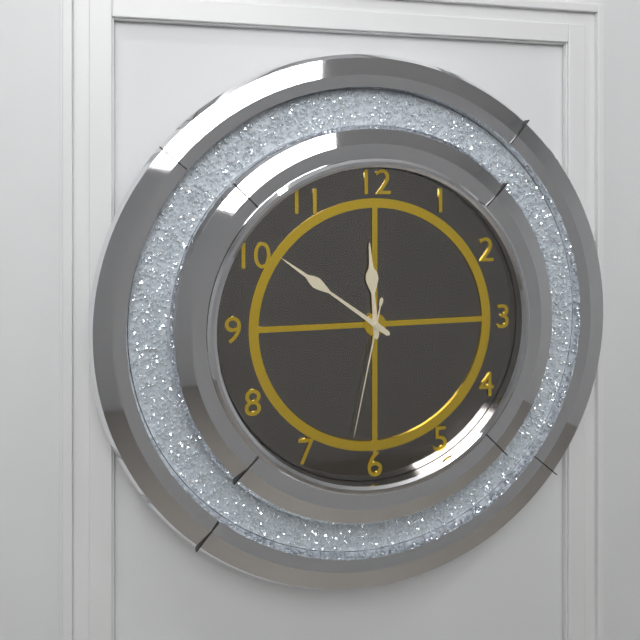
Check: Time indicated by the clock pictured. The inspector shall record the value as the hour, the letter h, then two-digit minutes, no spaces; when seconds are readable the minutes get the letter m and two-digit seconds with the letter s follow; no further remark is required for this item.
11h51m32s
